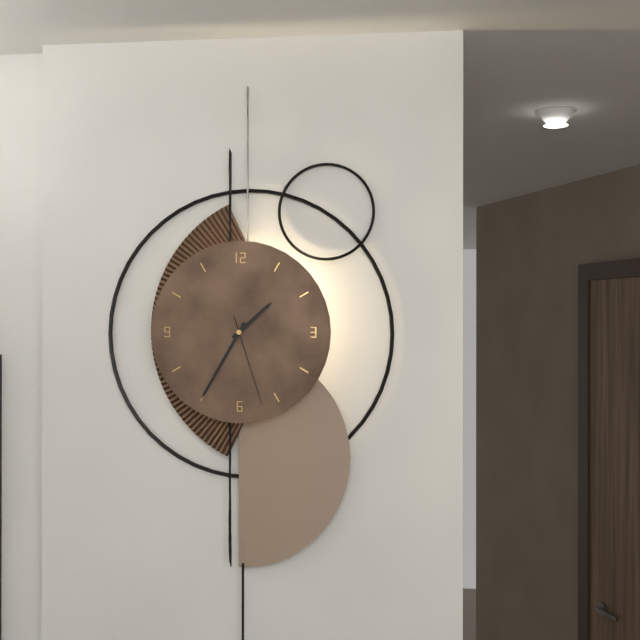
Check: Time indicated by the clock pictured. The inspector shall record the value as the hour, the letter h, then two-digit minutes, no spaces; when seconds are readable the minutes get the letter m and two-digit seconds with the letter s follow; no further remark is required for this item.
1h35m27s
